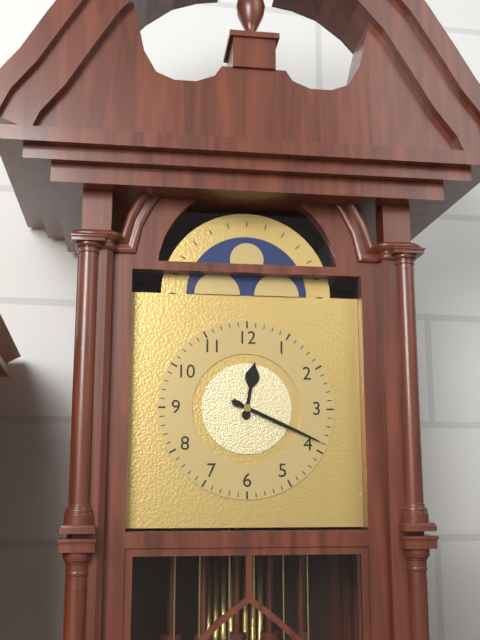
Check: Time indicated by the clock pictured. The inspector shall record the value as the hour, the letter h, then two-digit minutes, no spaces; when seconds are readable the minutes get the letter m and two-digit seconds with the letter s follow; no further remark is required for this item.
12h19
